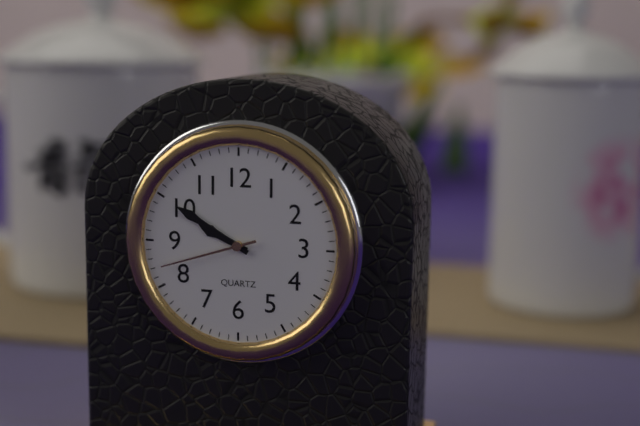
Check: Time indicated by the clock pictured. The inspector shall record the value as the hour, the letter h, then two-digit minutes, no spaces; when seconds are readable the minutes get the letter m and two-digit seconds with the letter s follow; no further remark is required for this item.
9h50m42s
